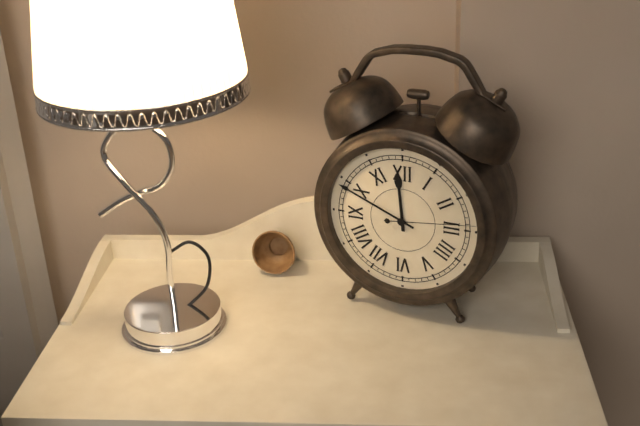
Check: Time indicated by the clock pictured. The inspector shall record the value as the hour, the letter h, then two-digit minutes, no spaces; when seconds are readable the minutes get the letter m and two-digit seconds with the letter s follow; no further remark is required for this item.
11h49m14s
